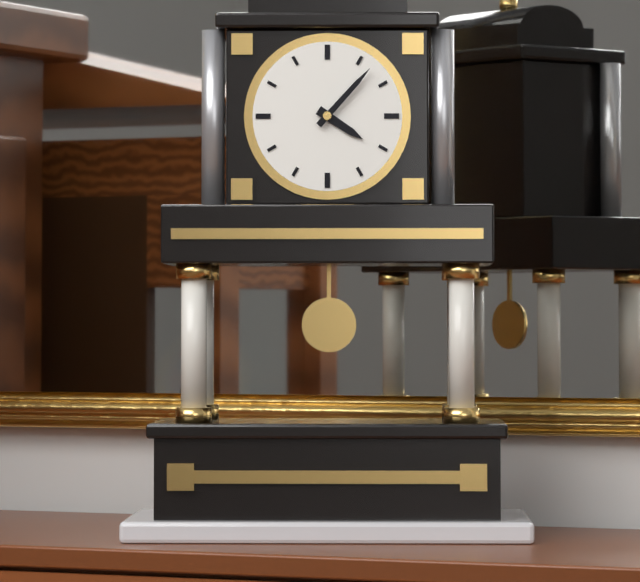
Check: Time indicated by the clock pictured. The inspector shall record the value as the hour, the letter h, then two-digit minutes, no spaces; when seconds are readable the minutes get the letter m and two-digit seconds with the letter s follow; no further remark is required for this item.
4h07
